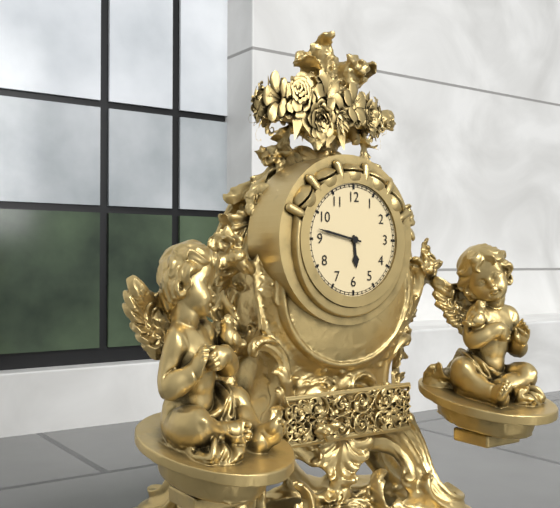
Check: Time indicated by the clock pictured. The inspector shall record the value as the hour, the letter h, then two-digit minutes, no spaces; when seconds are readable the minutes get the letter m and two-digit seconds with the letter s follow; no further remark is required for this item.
5h47
